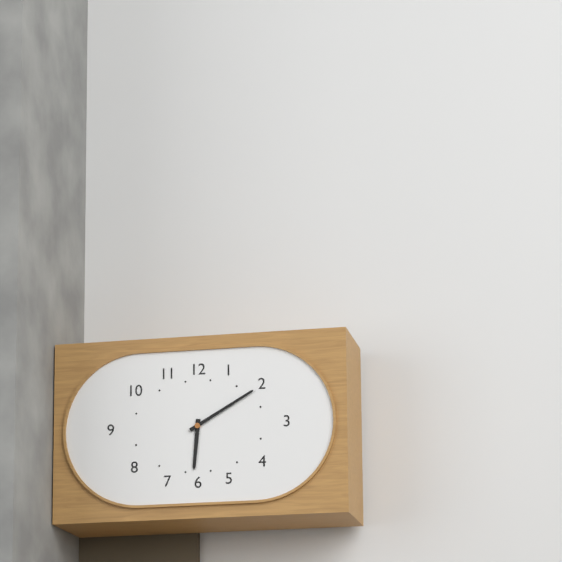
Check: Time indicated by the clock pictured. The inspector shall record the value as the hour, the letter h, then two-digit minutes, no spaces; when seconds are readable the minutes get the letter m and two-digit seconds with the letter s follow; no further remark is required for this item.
6h10
